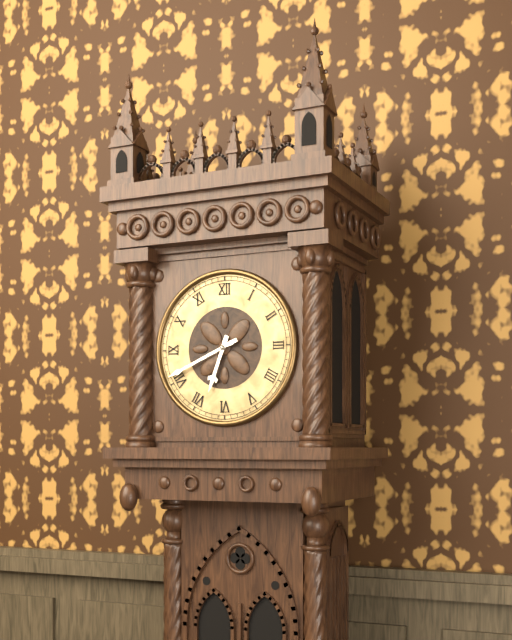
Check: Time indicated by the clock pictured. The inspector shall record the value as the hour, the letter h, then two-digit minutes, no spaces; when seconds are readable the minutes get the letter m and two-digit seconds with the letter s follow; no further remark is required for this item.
6h41
